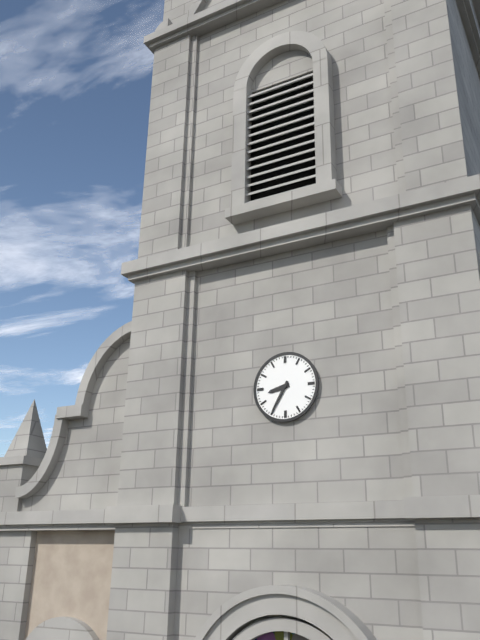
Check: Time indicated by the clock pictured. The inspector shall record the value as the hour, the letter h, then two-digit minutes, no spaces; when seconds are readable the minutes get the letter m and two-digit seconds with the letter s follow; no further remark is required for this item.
8h35
